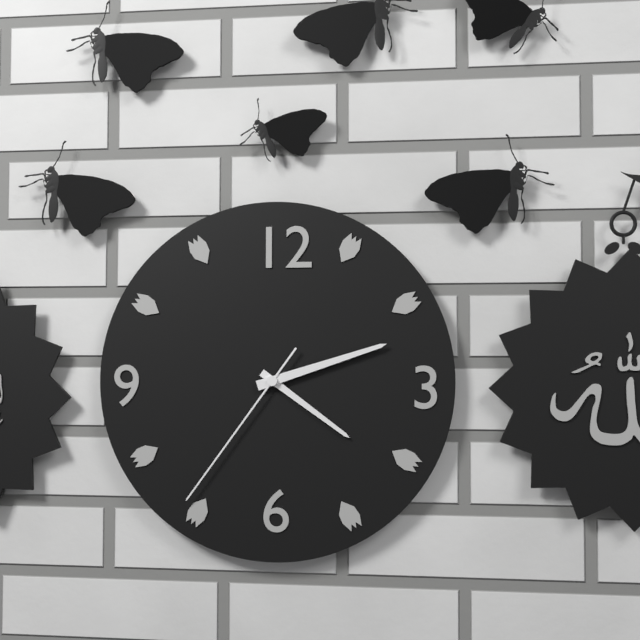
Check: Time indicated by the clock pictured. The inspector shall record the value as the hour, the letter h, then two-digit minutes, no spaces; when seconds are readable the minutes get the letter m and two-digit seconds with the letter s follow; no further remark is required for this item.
4h12m36s
